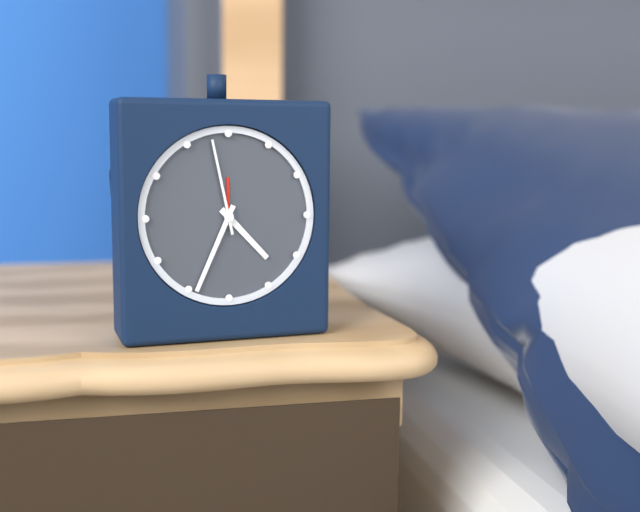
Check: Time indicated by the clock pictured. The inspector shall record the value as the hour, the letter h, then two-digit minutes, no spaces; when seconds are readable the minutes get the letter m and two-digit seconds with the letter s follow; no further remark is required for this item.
4h34m58s
